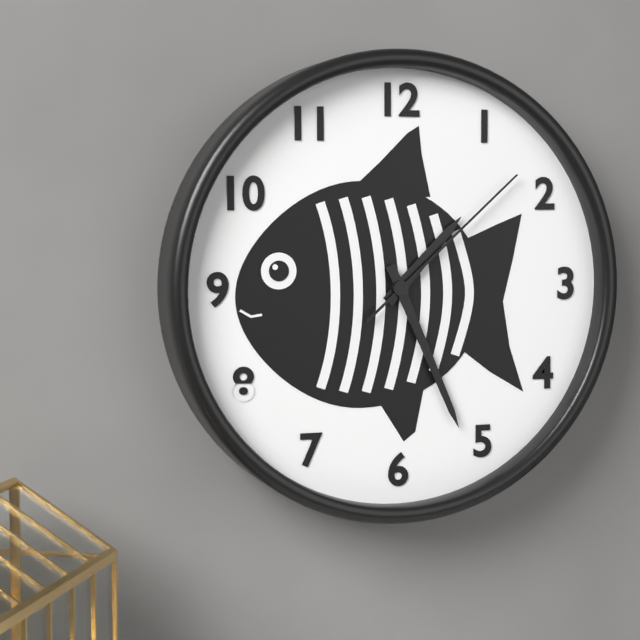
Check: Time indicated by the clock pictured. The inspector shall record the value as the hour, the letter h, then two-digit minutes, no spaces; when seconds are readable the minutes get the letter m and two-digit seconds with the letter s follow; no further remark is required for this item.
1h26m08s
